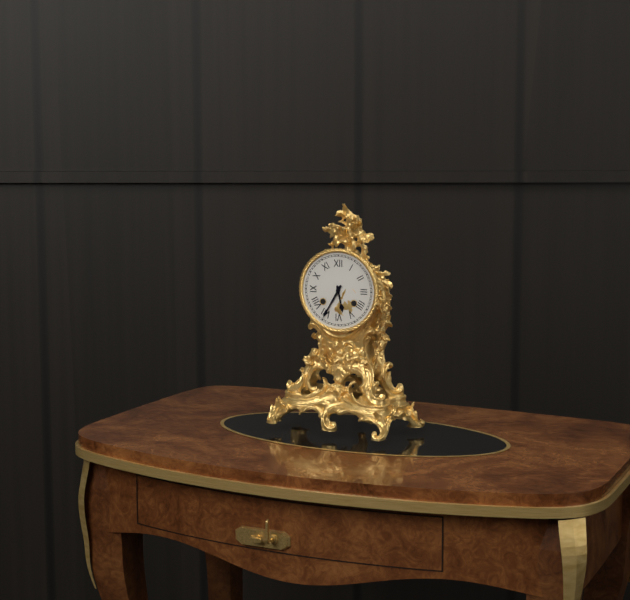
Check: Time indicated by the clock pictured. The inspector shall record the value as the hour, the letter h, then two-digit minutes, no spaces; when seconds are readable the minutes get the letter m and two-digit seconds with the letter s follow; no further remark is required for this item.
5h35
